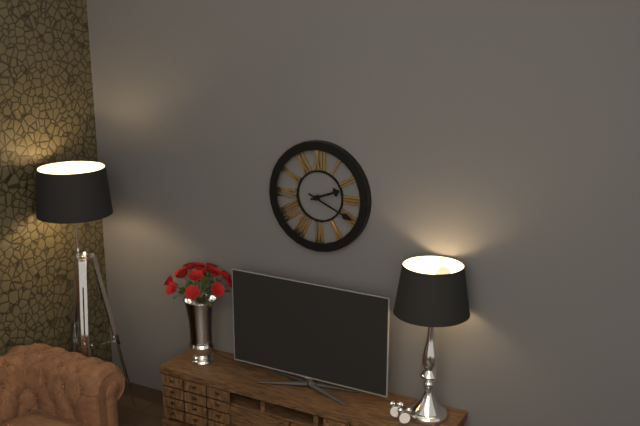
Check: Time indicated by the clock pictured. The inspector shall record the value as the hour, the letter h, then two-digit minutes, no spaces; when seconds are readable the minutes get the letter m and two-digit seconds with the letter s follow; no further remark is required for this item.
2h19
